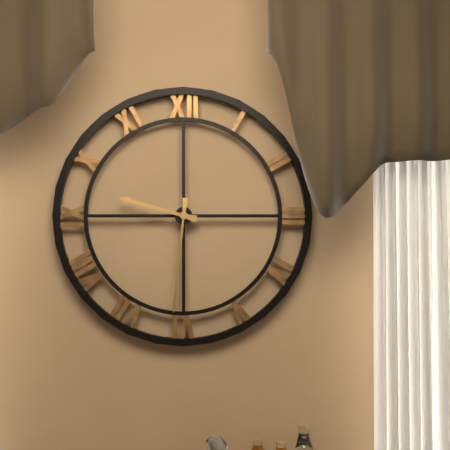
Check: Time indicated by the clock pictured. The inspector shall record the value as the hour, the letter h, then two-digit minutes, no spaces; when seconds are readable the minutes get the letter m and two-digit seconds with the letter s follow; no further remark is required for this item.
9h31
